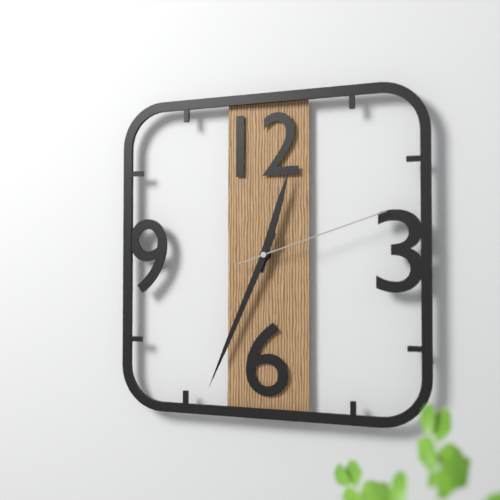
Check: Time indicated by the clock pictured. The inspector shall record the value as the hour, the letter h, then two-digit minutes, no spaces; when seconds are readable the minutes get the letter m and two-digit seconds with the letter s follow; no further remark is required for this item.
12h34m12s
